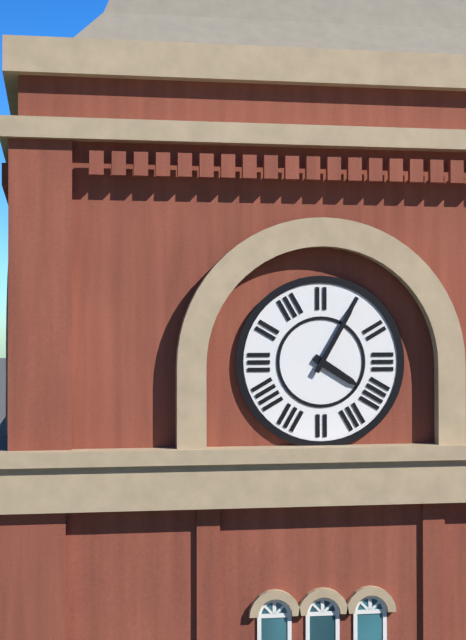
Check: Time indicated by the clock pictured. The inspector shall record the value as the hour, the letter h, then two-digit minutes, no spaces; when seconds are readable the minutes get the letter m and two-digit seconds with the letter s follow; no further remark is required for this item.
4h05
